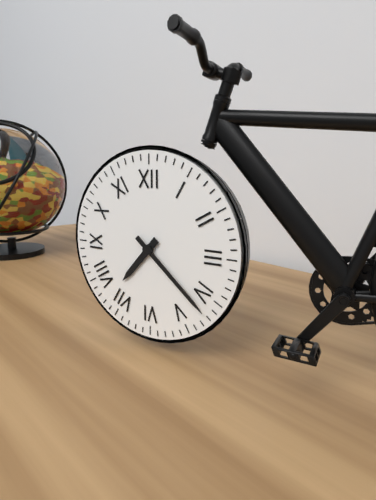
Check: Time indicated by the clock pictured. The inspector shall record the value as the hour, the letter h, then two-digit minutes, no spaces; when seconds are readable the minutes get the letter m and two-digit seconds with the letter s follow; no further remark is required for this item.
7h22
